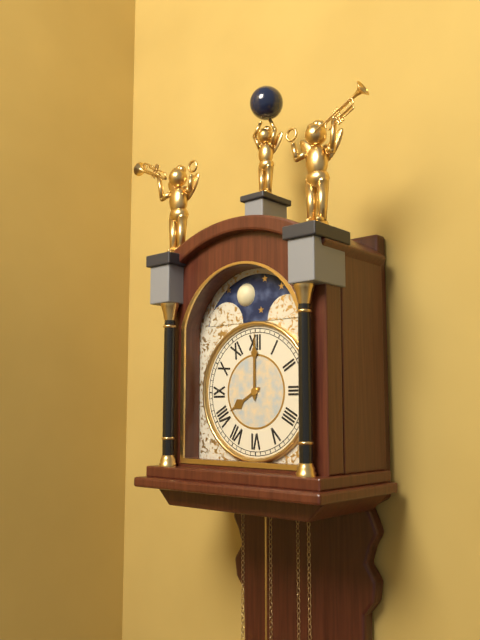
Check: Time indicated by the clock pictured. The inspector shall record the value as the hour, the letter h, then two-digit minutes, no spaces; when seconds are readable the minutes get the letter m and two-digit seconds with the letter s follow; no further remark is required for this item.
8h00
